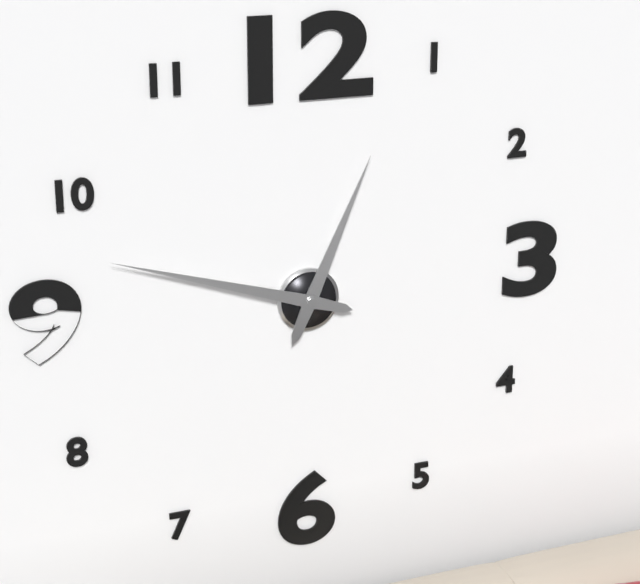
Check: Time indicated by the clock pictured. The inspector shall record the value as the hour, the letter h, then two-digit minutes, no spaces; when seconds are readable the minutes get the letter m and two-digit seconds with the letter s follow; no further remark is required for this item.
12h48
